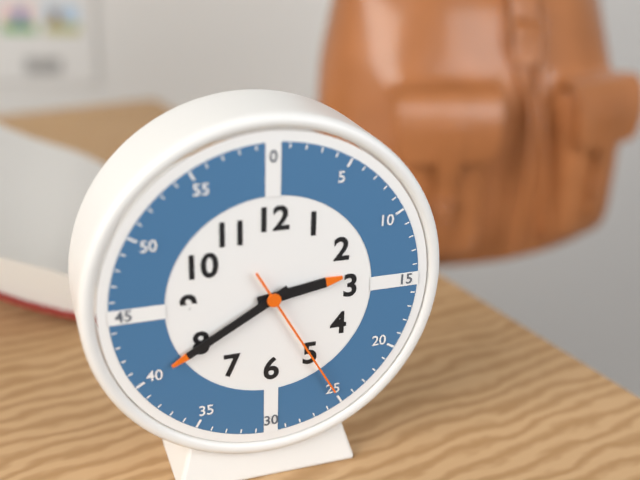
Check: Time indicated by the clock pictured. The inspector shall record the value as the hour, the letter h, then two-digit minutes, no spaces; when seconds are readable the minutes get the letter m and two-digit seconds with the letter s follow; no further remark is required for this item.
2h40m25s
